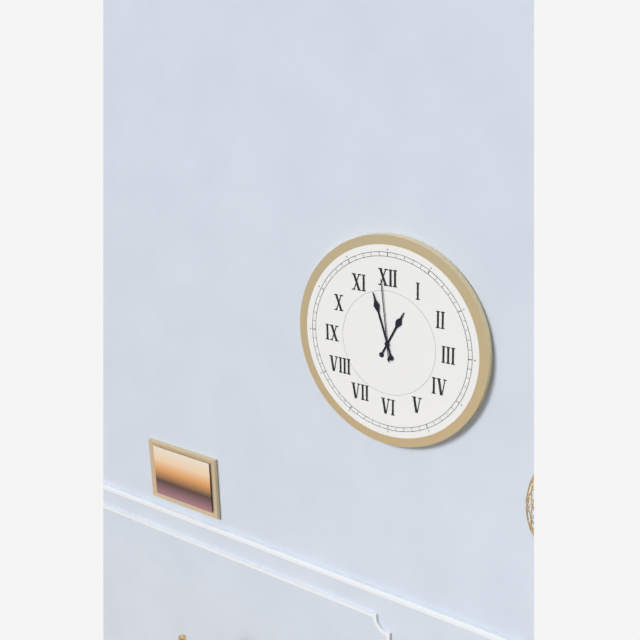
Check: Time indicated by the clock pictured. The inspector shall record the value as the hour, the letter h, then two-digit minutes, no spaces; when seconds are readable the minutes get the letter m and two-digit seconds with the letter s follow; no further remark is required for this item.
12h57m59s
